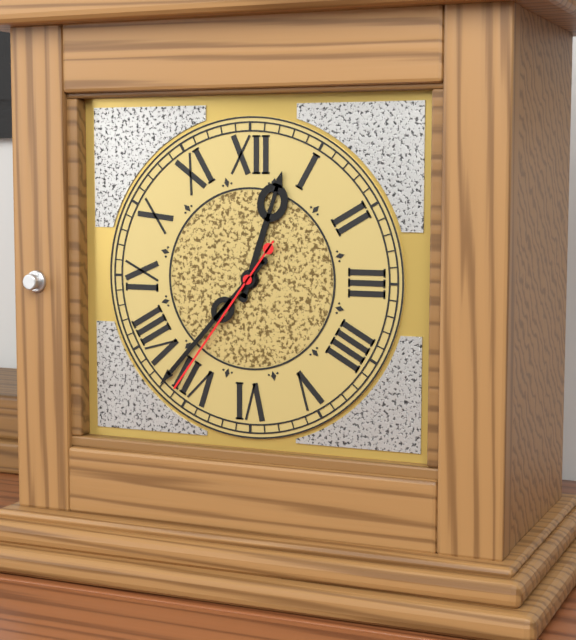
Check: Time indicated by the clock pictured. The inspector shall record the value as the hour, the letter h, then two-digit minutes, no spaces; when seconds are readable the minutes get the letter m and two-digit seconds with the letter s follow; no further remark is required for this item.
12h37m36s
